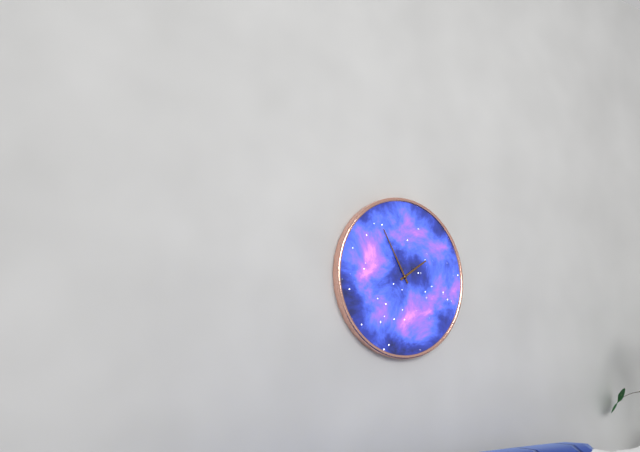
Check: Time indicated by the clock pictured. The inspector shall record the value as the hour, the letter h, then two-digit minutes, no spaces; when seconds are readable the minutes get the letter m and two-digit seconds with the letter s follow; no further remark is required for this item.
1h55
